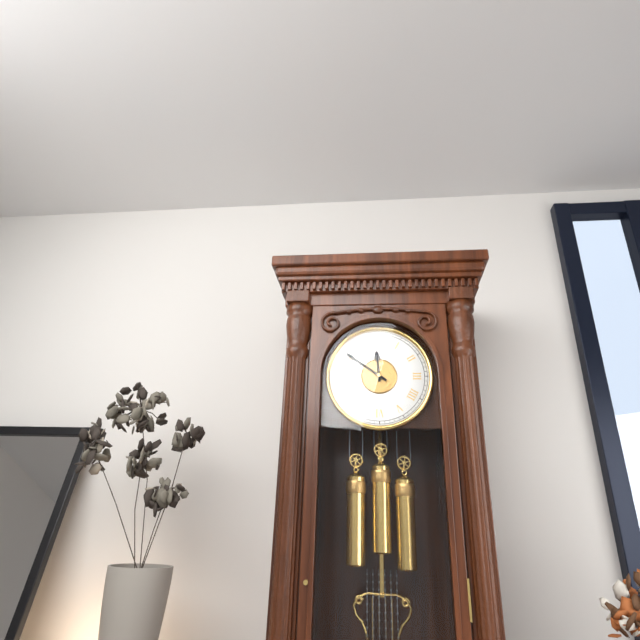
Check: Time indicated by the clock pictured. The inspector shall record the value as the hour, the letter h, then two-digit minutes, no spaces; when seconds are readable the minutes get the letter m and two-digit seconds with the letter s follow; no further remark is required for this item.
11h51
